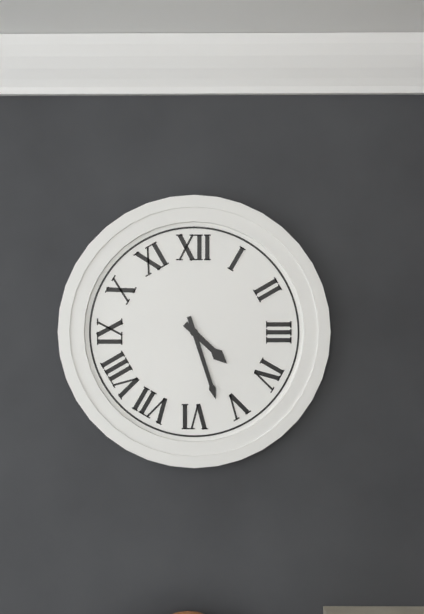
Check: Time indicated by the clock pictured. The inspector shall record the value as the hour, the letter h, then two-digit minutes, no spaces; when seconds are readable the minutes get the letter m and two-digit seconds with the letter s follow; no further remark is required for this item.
4h27
